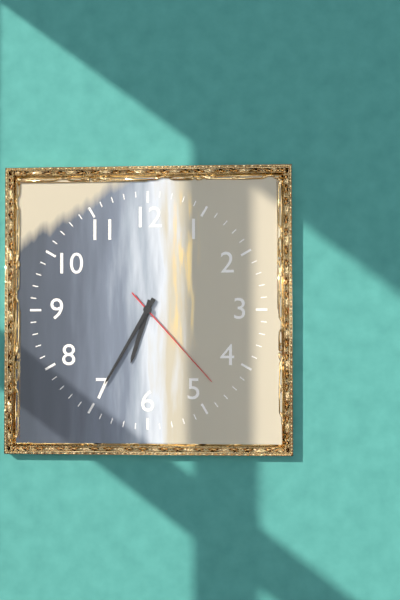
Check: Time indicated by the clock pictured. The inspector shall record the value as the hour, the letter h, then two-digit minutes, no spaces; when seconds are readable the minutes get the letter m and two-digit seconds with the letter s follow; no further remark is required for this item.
6h35m23s
